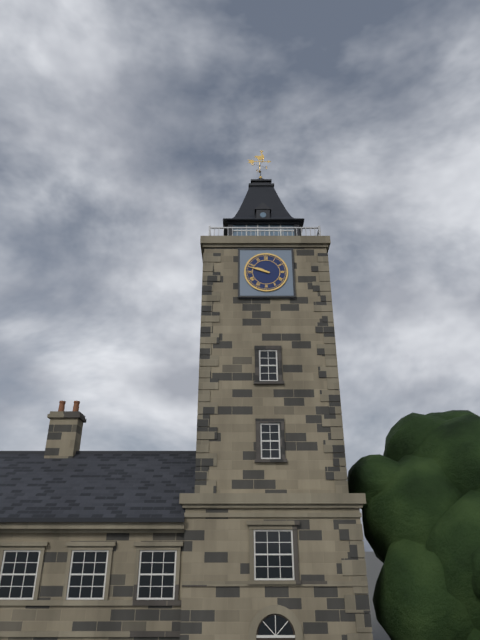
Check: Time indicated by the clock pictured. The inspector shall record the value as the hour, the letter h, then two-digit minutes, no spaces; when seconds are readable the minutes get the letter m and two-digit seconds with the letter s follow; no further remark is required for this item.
9h48
